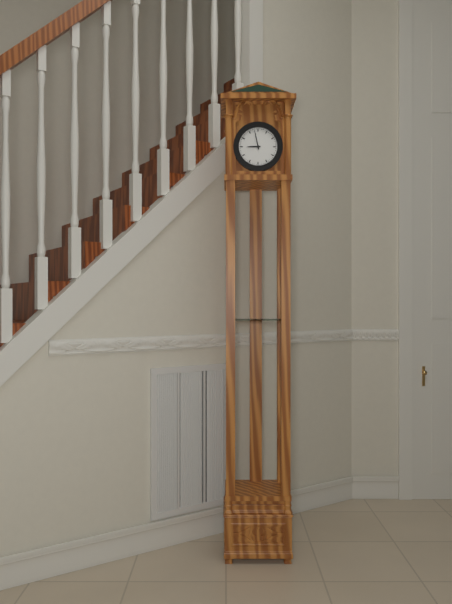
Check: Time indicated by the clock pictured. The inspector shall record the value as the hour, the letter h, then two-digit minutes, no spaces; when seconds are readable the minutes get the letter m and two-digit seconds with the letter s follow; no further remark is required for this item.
8h58
